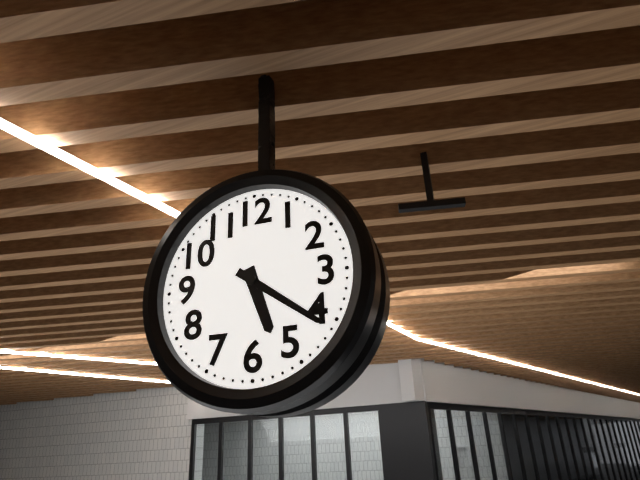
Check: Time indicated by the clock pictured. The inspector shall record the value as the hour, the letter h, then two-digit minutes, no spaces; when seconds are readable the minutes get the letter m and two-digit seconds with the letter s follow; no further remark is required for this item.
5h21
